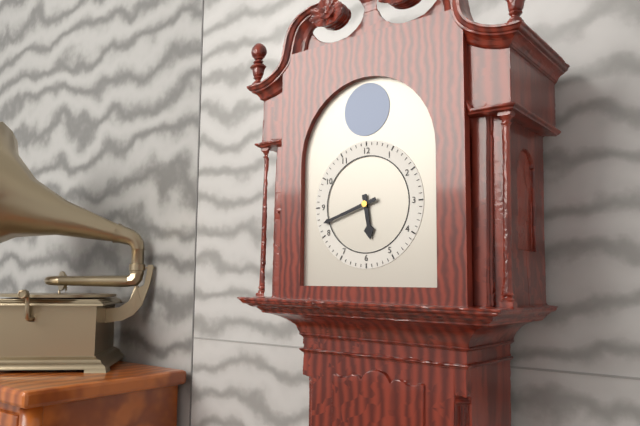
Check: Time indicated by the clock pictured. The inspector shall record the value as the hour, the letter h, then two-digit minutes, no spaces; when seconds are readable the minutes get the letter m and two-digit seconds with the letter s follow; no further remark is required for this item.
5h42
